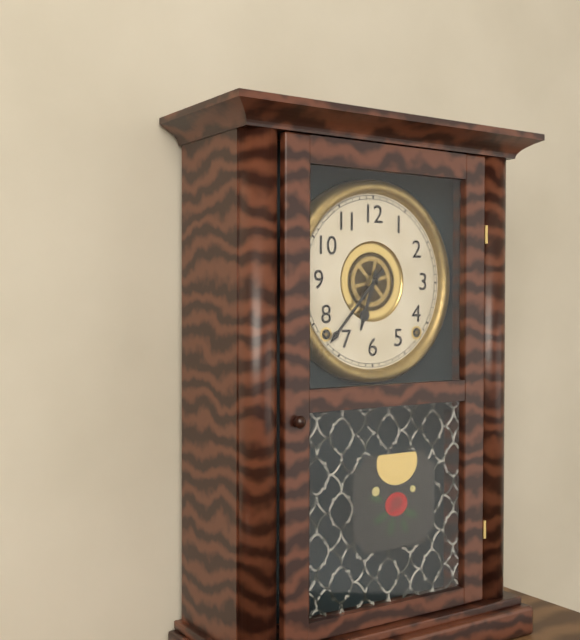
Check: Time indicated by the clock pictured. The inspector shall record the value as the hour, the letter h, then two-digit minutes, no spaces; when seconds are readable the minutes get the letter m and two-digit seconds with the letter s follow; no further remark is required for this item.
6h37
